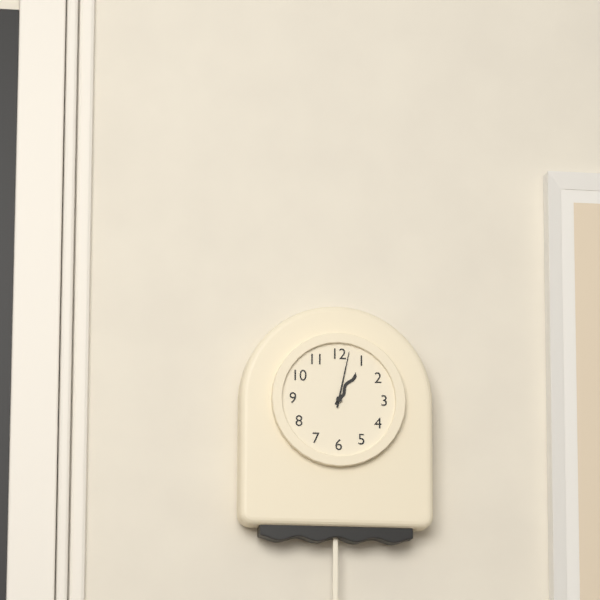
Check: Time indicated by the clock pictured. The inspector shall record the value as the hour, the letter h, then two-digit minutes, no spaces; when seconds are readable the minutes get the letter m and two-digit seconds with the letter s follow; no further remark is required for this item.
1h02
